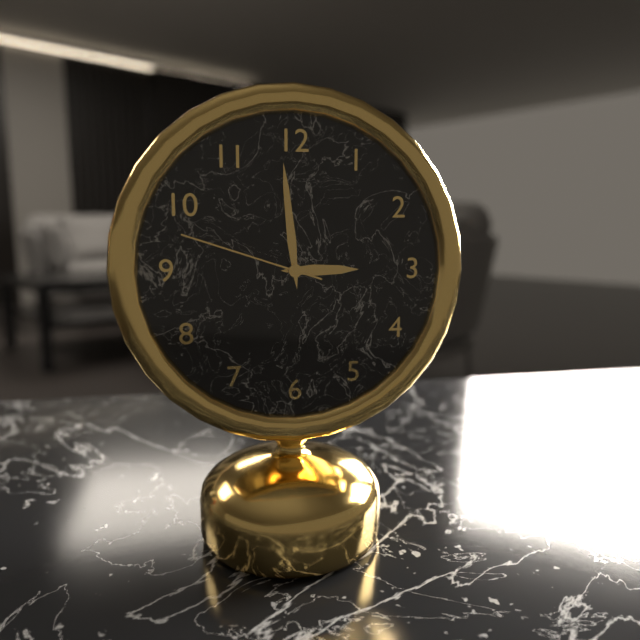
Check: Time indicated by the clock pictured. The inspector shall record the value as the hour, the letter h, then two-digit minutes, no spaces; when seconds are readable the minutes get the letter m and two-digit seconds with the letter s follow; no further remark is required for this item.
2h59m48s
